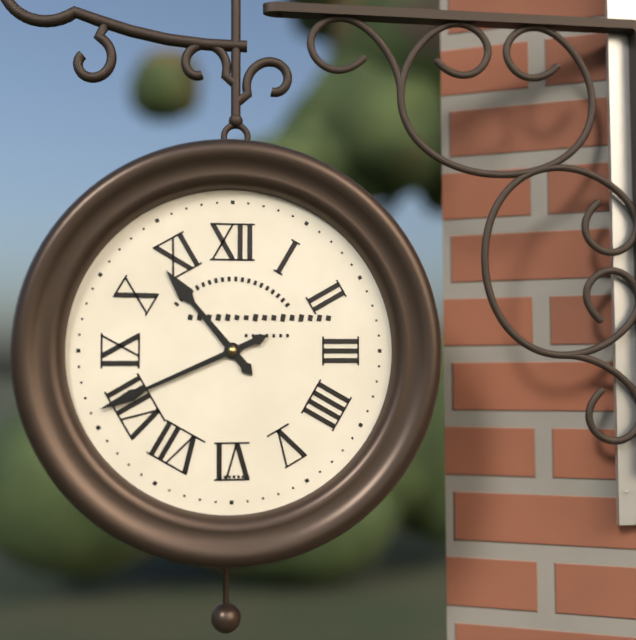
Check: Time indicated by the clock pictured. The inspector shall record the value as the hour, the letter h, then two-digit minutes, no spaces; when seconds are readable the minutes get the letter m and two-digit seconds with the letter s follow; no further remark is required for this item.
10h41
